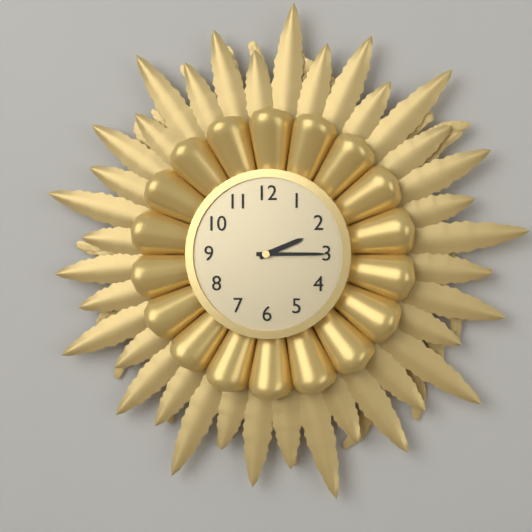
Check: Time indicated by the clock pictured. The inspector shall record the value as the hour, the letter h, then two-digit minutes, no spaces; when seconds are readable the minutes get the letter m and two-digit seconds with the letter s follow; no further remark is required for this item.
2h15
